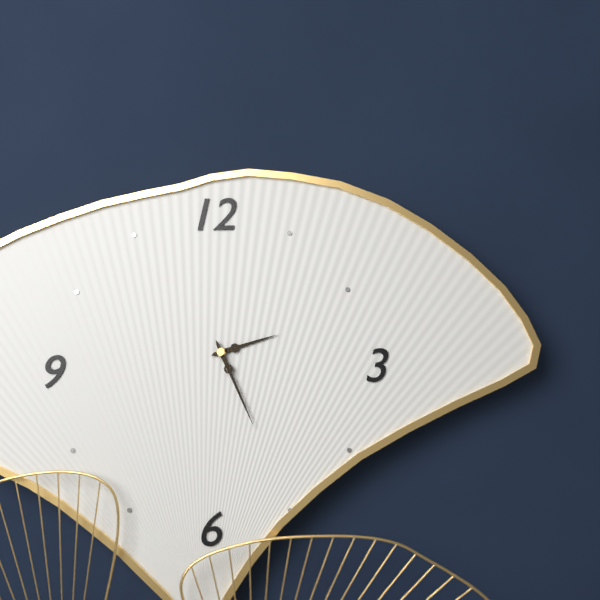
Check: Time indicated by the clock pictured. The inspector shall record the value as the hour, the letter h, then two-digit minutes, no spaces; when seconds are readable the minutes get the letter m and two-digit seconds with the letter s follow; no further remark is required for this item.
2h26
